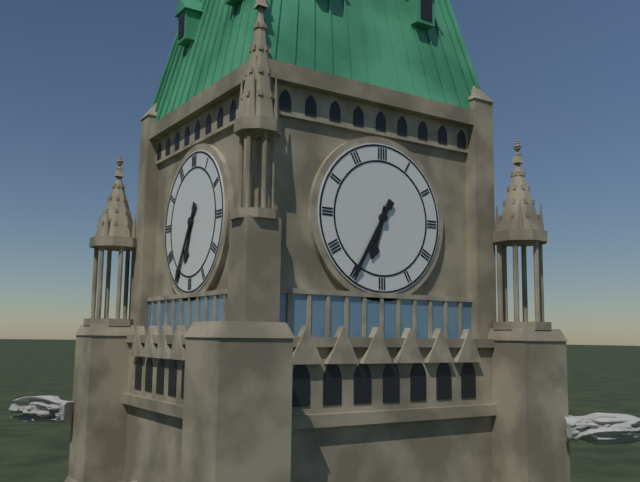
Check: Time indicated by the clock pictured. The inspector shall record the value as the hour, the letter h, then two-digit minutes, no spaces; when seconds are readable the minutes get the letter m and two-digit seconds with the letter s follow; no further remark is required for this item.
6h35
